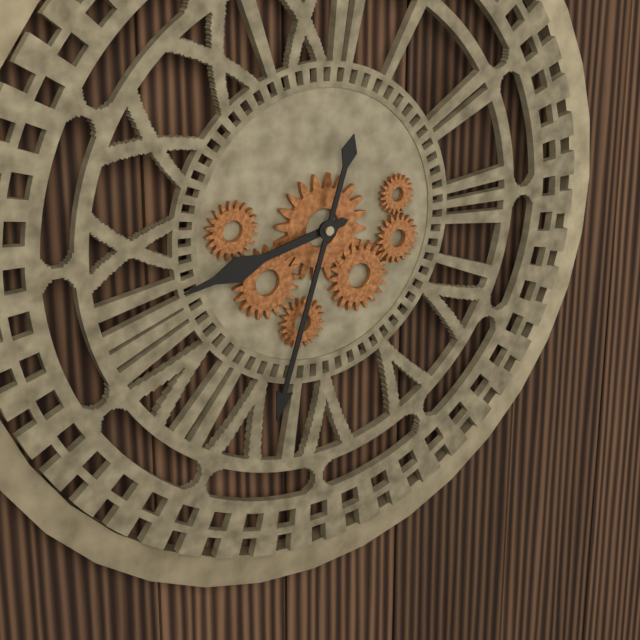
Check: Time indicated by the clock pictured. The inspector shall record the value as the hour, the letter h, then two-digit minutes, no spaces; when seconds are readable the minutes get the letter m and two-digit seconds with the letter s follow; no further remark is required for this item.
8h33
